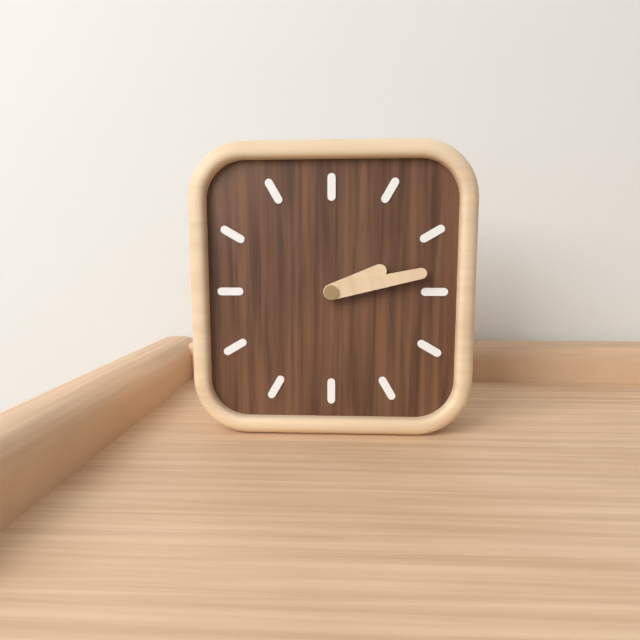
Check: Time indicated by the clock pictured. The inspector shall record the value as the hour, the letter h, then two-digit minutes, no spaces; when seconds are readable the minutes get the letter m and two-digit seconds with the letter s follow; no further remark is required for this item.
2h13
